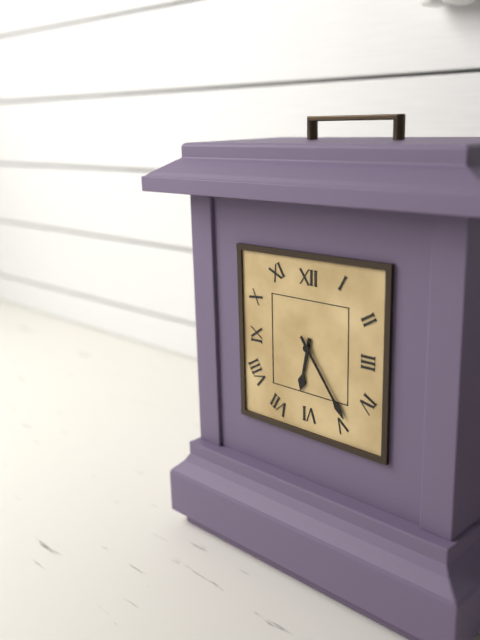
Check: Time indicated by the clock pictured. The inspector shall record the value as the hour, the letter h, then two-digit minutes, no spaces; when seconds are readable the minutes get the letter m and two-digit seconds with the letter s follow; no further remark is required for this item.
6h24
